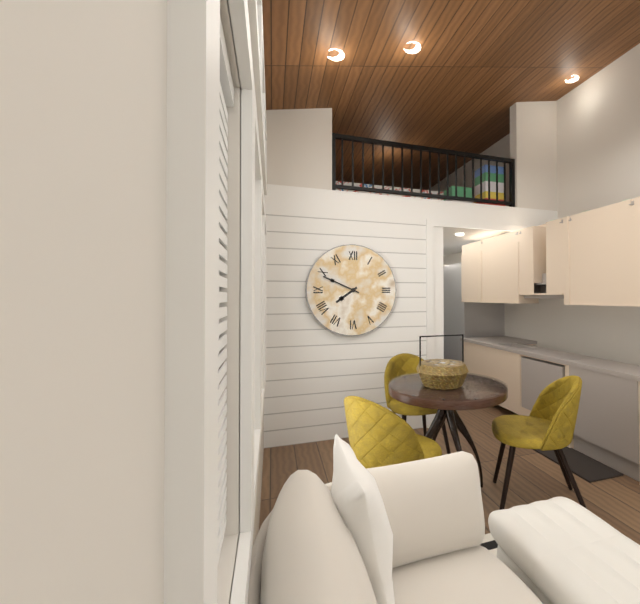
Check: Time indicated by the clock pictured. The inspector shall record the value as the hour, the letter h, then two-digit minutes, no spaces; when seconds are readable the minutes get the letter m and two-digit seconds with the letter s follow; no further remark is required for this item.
7h49
